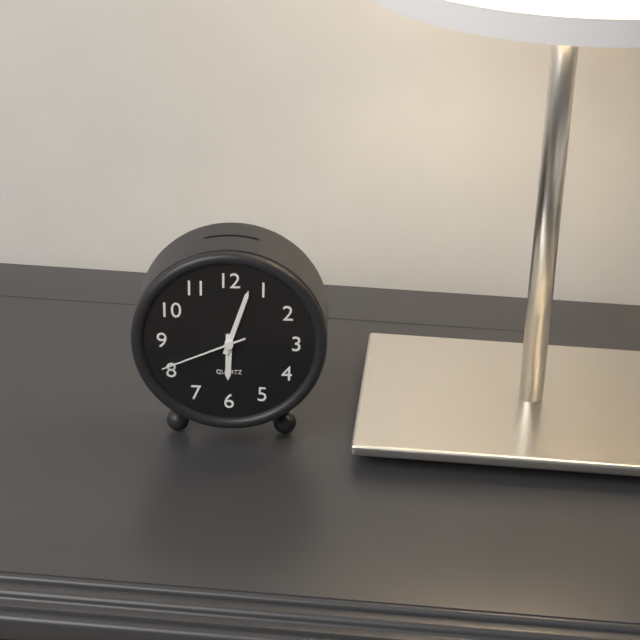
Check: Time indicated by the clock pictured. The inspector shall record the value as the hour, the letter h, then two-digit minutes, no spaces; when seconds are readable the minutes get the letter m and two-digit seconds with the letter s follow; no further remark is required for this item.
6h03m41s
